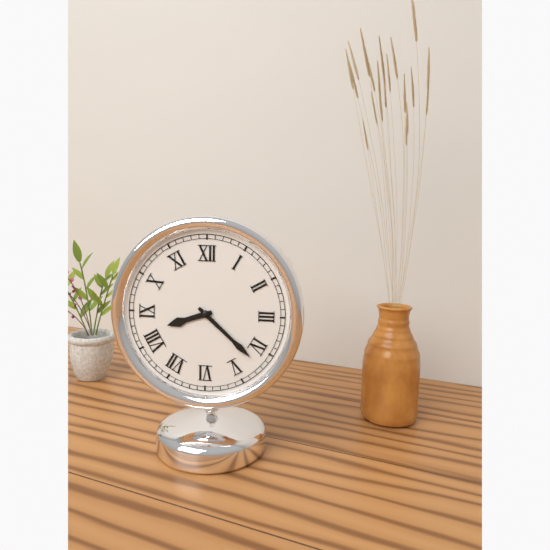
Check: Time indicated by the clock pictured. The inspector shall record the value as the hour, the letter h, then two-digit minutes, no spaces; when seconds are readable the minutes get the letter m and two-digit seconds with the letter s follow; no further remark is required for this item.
8h22
